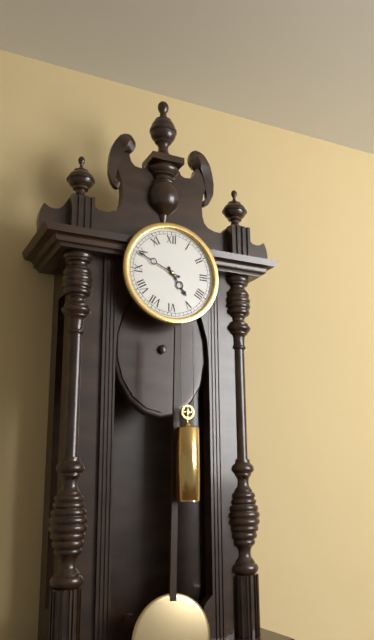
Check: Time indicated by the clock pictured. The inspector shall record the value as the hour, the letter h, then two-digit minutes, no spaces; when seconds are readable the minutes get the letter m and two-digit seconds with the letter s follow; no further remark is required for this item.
4h49
